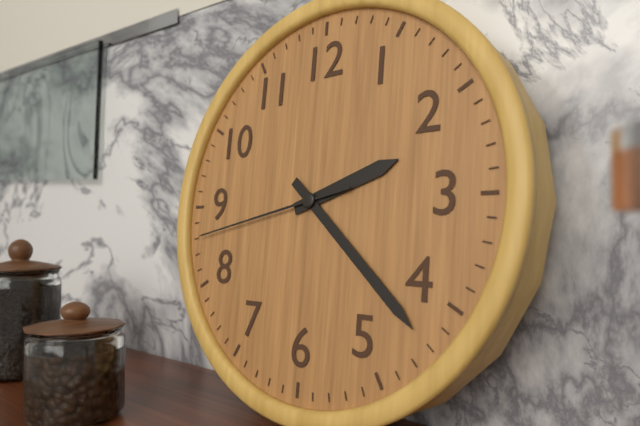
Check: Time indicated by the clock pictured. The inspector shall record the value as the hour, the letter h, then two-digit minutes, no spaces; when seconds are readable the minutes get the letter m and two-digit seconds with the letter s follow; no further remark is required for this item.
2h22m43s
